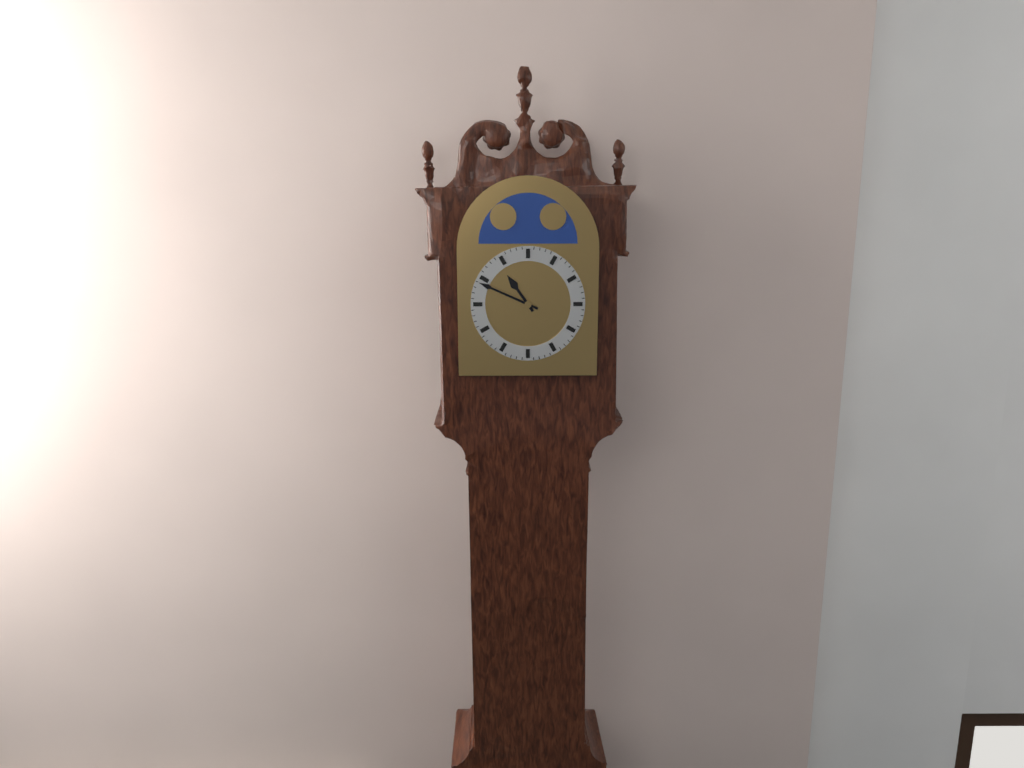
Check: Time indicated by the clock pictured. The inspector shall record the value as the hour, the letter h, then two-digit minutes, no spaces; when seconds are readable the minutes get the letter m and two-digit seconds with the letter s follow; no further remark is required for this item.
10h49
